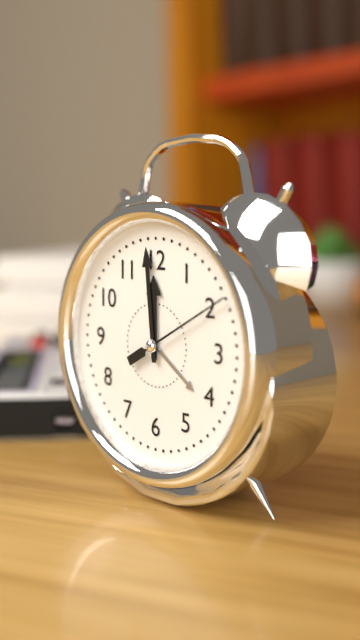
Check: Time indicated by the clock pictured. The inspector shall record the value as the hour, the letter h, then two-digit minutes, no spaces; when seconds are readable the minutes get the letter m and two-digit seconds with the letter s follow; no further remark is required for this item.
11h59m10s
